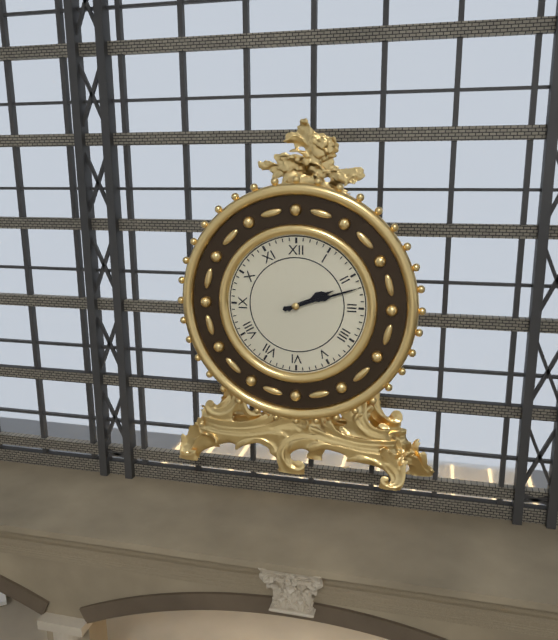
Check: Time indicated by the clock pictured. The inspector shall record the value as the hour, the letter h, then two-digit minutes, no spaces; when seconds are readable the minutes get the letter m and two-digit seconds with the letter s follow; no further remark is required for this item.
2h12
